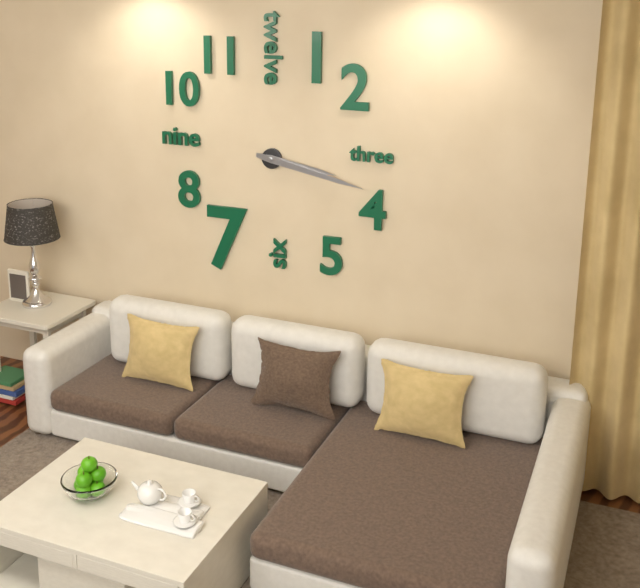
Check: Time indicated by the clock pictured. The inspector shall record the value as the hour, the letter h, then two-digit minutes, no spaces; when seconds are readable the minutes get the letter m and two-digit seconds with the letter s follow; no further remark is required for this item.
3h17
